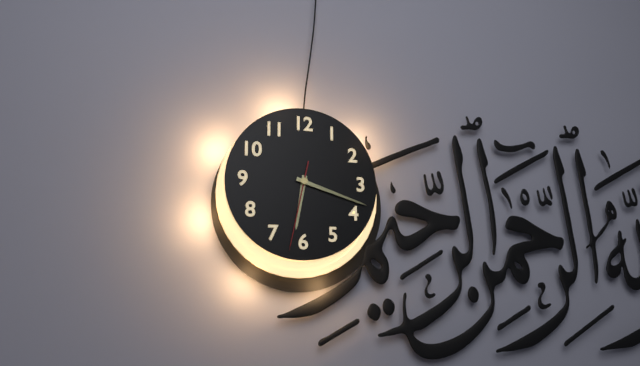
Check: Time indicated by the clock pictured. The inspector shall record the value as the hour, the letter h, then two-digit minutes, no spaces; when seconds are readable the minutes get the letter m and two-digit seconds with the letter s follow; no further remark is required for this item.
6h18m32s
